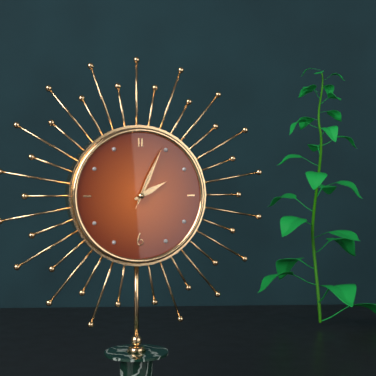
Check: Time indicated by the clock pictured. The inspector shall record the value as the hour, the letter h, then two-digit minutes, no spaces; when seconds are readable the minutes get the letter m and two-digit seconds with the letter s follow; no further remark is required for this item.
2h04m04s
